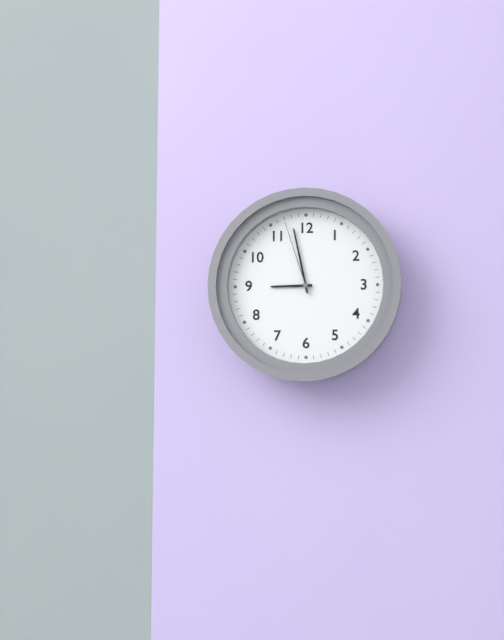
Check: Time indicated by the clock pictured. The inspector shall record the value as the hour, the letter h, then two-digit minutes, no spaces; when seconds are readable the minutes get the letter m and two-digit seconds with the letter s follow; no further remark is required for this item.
8h58m57s
